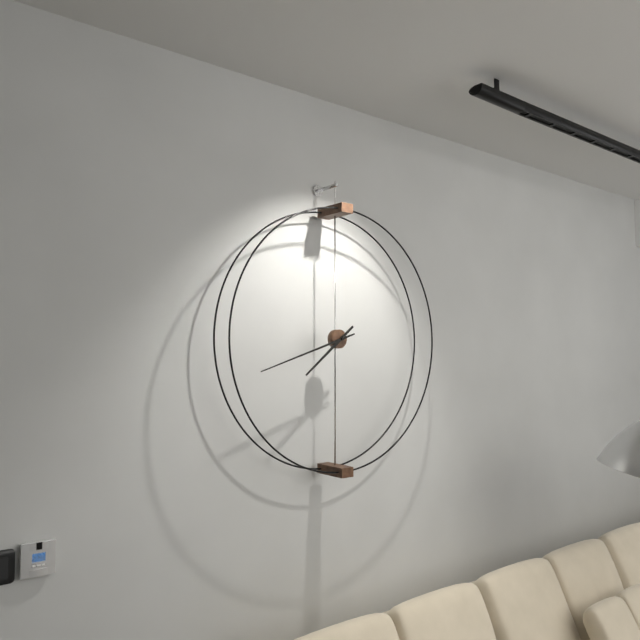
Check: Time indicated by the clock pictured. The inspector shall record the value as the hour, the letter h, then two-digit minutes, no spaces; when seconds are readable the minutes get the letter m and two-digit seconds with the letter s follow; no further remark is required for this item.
7h42
